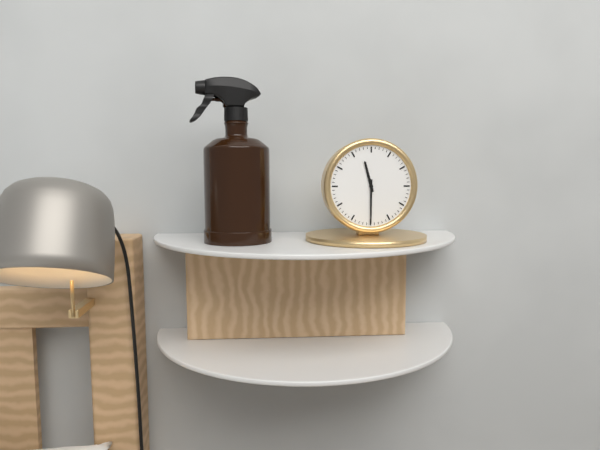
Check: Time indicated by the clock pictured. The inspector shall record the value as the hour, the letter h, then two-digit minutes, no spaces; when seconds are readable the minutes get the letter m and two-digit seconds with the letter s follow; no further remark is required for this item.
11h30
